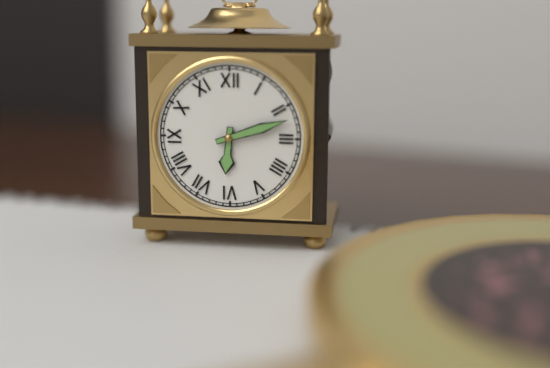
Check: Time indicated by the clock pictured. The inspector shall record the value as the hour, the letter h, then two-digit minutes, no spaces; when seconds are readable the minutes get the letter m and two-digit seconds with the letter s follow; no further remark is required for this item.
6h12
